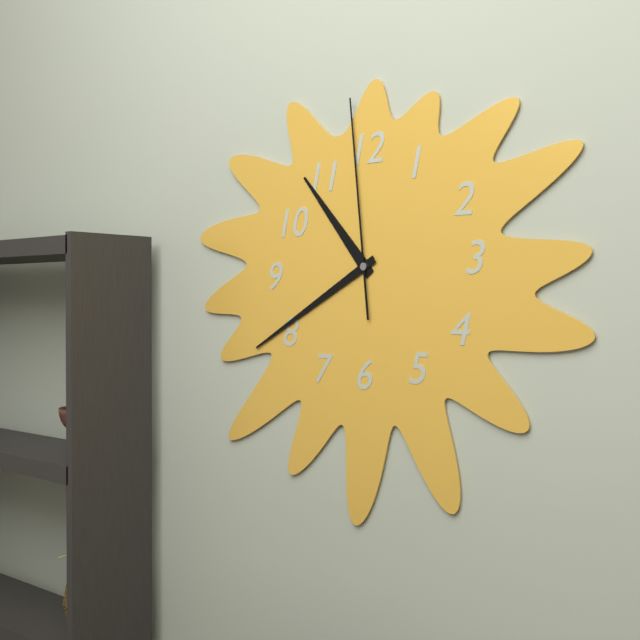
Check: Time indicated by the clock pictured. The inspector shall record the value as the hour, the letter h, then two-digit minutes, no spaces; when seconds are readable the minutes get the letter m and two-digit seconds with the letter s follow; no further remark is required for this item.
10h40m59s
